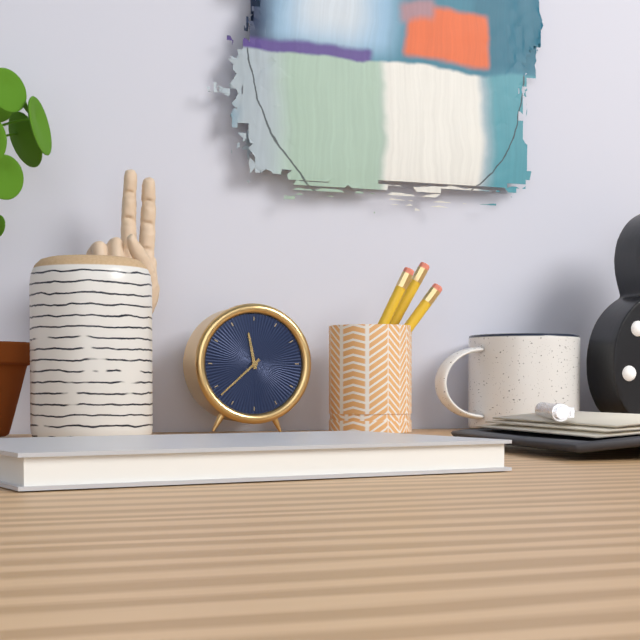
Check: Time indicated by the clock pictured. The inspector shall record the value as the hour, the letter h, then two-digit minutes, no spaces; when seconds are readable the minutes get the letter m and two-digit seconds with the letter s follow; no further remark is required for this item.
11h38
